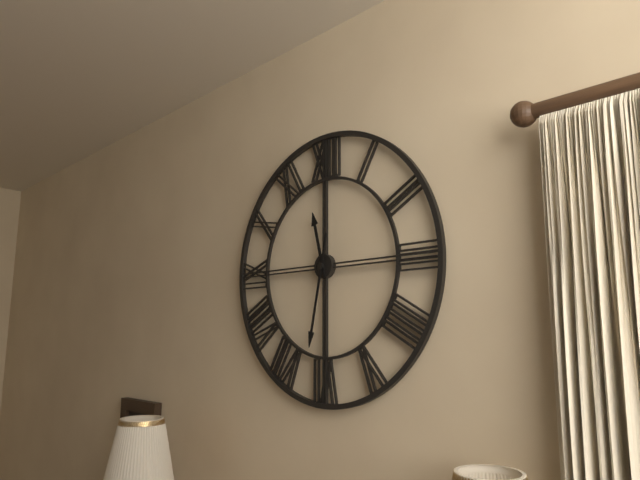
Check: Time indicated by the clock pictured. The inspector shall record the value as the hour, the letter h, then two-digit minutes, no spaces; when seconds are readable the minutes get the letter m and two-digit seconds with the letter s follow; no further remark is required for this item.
11h32
